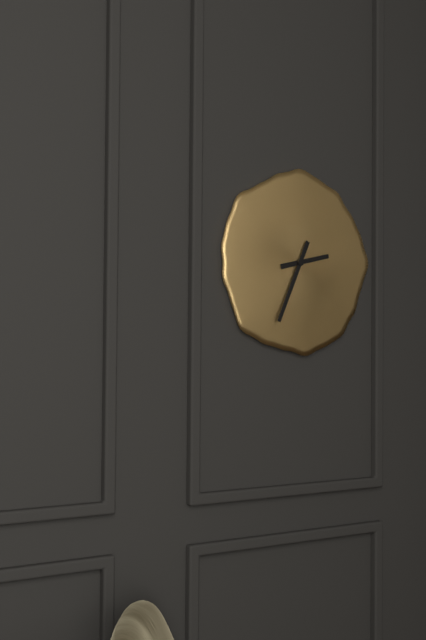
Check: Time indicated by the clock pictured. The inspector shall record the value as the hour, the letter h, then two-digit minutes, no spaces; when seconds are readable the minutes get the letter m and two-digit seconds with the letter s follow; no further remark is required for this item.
2h34
